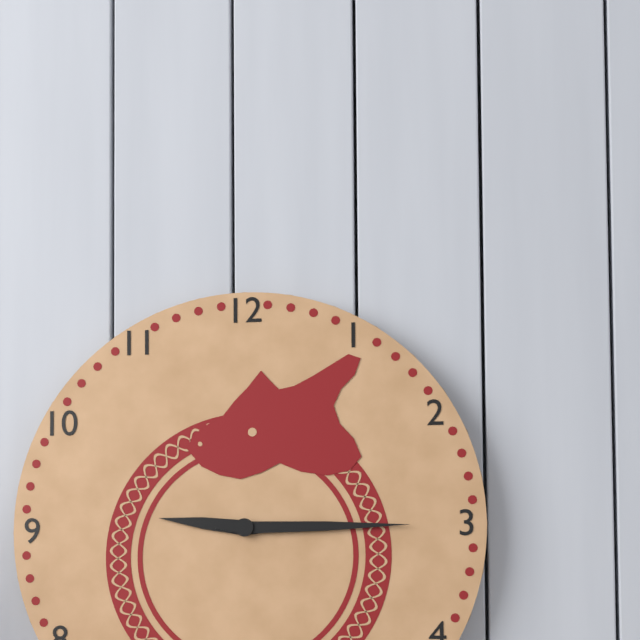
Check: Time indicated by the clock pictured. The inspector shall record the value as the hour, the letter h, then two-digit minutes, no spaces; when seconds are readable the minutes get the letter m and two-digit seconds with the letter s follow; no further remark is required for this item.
9h15
